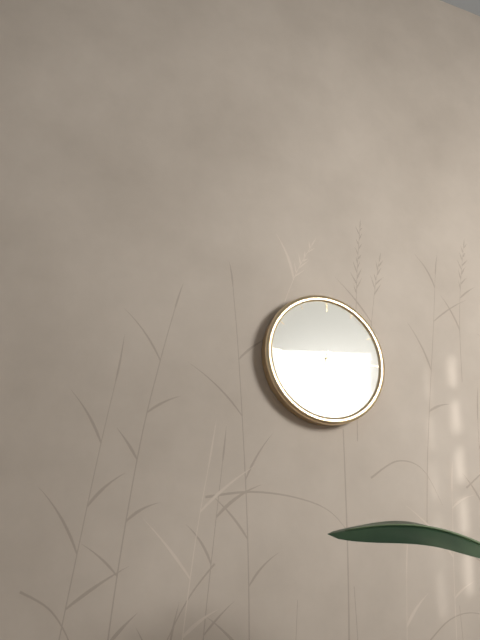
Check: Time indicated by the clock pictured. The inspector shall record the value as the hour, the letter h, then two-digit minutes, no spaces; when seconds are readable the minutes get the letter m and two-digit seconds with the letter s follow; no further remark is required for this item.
3h32
